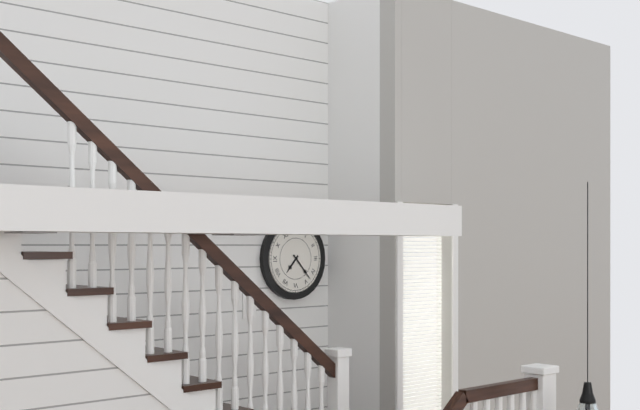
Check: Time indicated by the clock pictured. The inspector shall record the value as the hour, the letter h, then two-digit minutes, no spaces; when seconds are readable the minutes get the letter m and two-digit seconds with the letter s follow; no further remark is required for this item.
7h23
